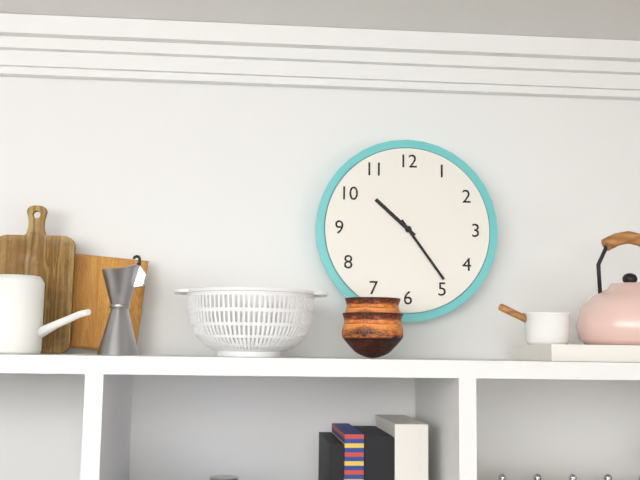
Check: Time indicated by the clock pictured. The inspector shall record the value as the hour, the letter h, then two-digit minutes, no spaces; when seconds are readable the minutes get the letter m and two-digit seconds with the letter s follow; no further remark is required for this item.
10h24
